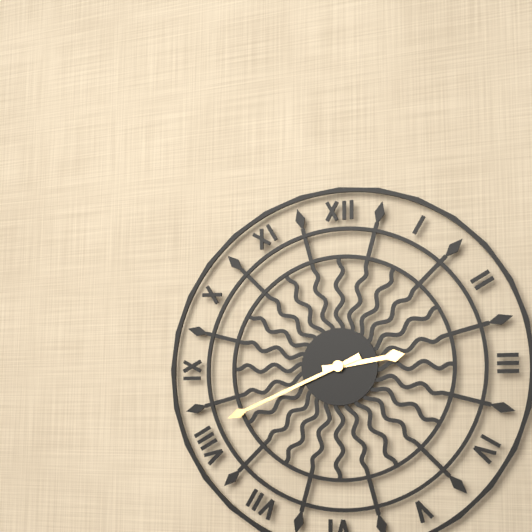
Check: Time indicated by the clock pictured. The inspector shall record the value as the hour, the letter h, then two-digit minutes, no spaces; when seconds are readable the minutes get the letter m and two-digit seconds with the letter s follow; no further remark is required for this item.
2h41
